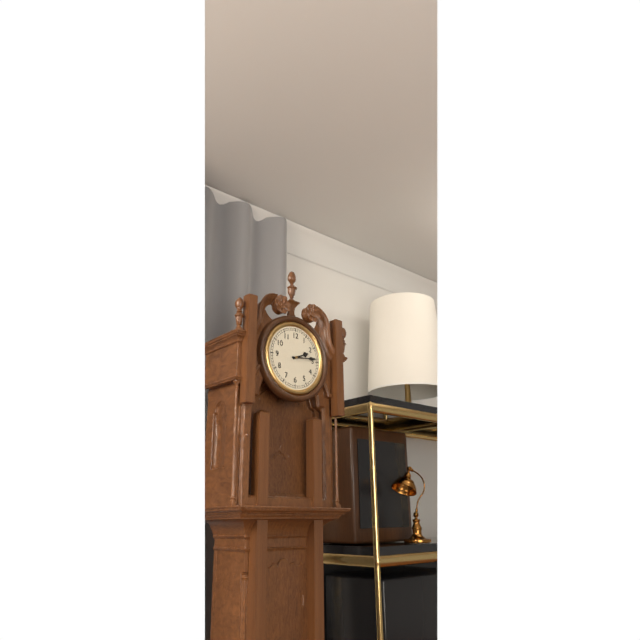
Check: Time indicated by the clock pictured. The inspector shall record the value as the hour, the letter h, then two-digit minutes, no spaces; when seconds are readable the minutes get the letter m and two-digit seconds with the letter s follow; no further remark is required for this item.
2h14
